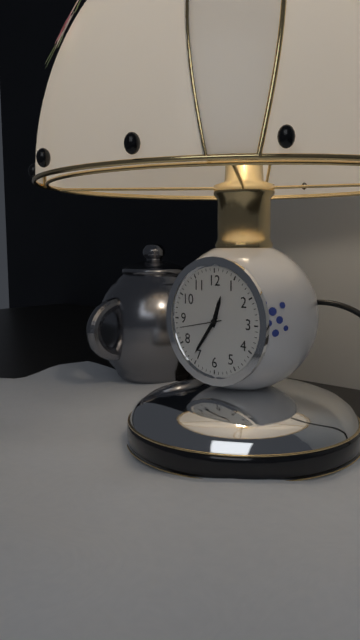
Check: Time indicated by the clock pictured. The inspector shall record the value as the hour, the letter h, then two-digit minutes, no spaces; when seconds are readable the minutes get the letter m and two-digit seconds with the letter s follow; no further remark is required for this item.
12h36
